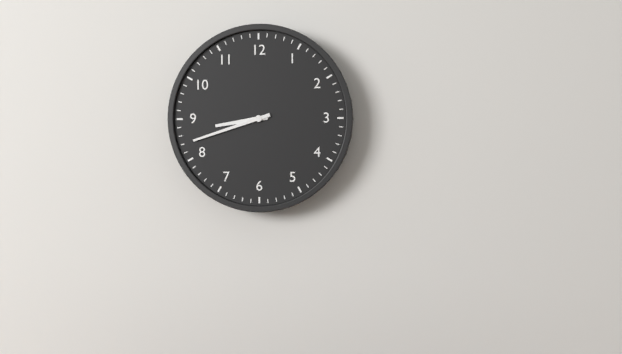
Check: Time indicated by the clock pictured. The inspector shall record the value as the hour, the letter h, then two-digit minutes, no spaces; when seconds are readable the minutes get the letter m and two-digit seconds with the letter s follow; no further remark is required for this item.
8h42
